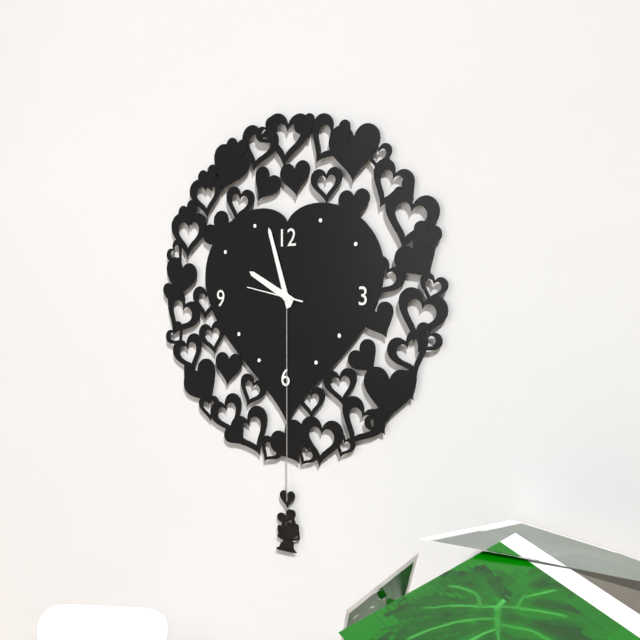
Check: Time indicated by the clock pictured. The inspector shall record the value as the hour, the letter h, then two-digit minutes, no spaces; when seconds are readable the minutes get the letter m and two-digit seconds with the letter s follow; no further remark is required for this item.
9h57m47s
